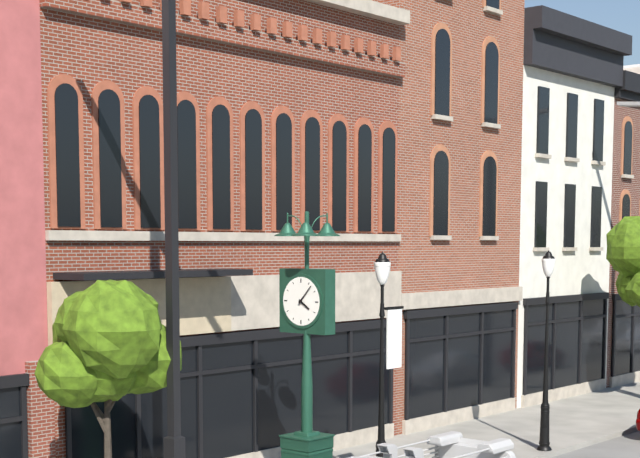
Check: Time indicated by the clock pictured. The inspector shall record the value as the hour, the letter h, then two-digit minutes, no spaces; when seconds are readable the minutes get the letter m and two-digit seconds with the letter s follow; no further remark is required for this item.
4h07
